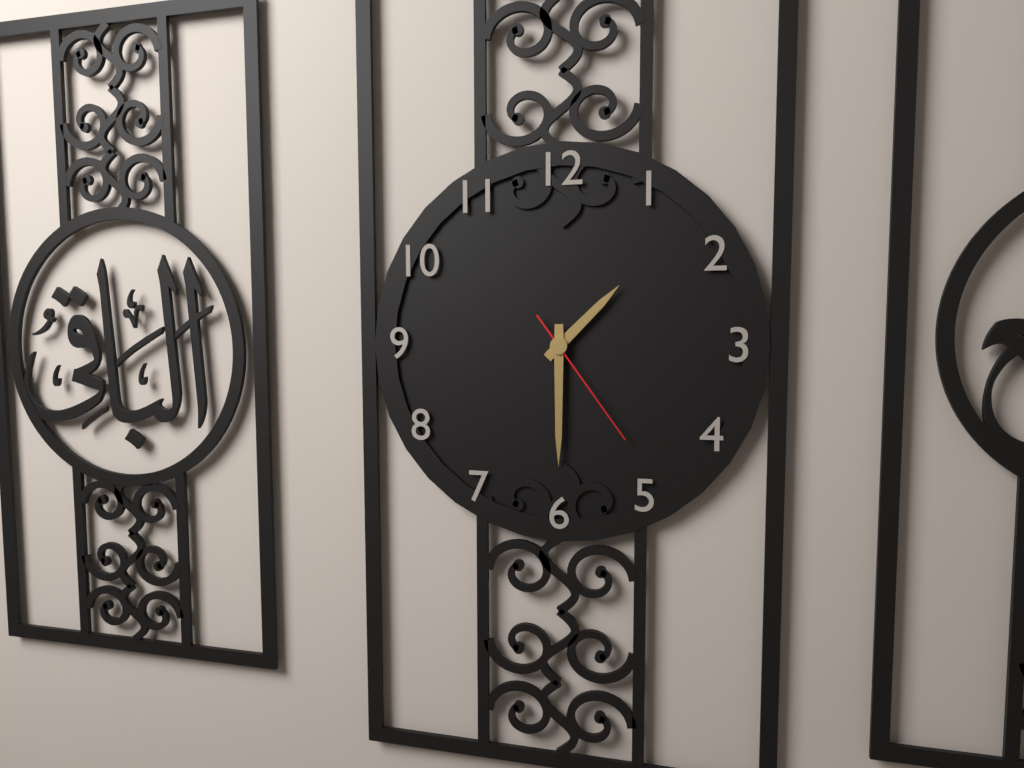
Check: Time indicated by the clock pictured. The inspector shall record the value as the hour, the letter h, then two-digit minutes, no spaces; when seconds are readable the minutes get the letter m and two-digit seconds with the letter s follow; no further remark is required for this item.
1h30m24s
